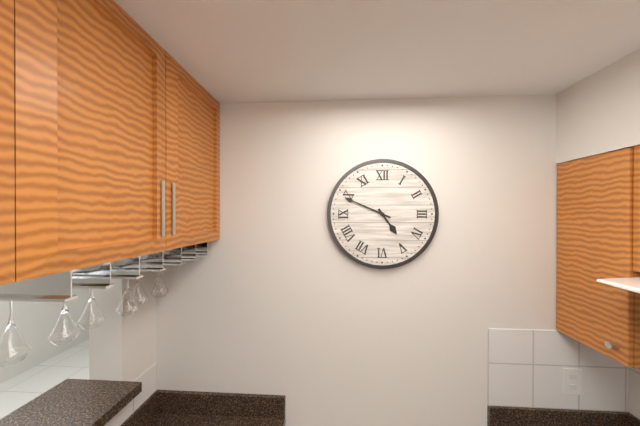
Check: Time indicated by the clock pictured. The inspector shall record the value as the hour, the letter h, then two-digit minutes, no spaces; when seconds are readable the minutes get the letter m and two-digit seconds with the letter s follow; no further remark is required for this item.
4h49
